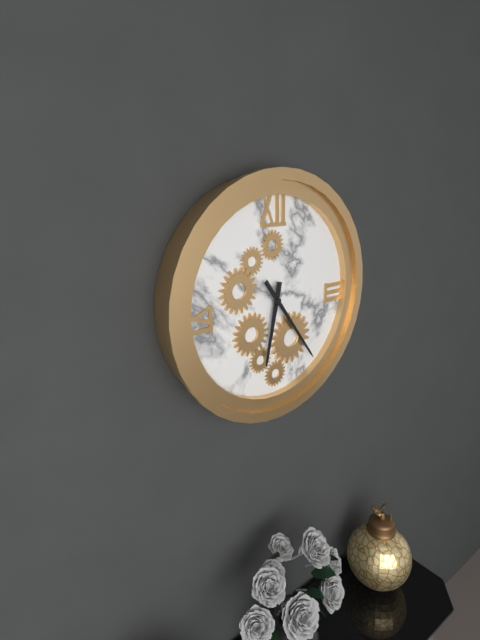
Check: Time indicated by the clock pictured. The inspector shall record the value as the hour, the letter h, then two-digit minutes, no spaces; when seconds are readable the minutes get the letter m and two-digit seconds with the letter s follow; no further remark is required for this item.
6h24
